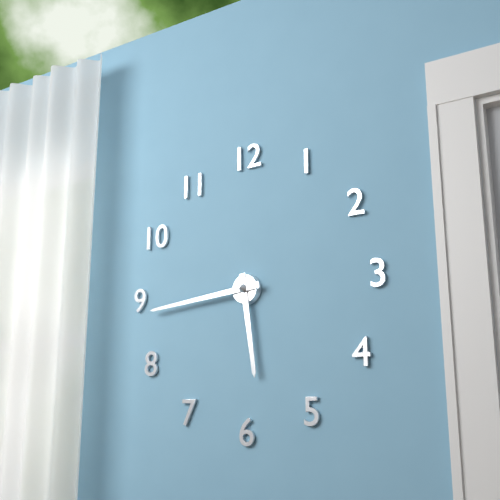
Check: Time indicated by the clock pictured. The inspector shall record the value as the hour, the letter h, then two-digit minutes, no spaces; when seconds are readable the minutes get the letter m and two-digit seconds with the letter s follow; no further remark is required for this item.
5h44
